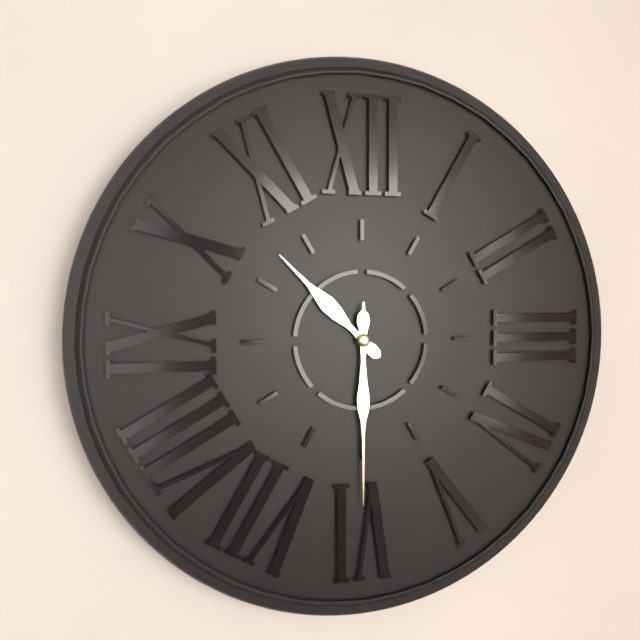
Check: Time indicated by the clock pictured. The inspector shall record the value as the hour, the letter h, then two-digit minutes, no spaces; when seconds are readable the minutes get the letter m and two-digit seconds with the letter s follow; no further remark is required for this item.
10h30m30s
